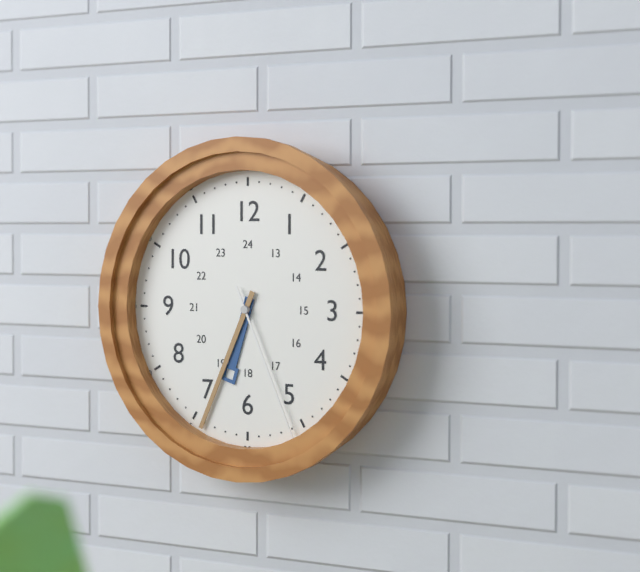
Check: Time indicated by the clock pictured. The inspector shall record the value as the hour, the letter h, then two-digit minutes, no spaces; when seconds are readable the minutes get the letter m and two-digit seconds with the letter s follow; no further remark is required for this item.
6h34m26s
